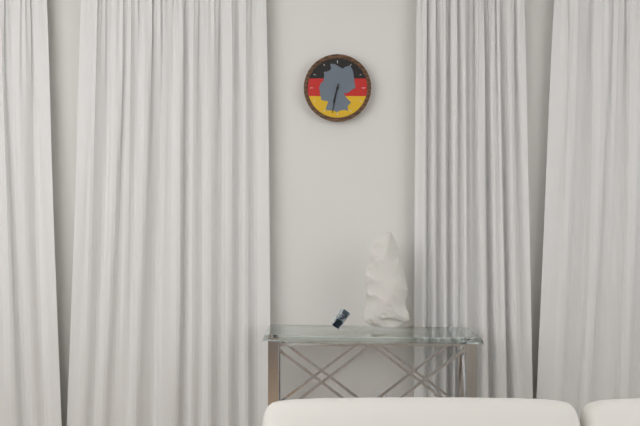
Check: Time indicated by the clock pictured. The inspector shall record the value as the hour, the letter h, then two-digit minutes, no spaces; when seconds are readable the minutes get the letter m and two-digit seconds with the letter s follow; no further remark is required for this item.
6h32
